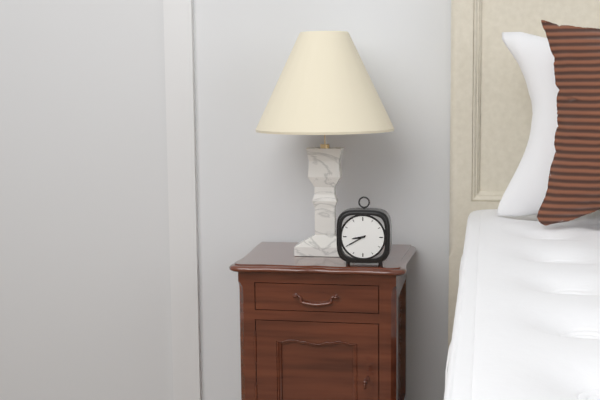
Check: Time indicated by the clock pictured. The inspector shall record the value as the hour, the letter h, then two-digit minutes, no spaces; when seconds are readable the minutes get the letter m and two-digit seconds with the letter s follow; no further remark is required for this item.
8h40
